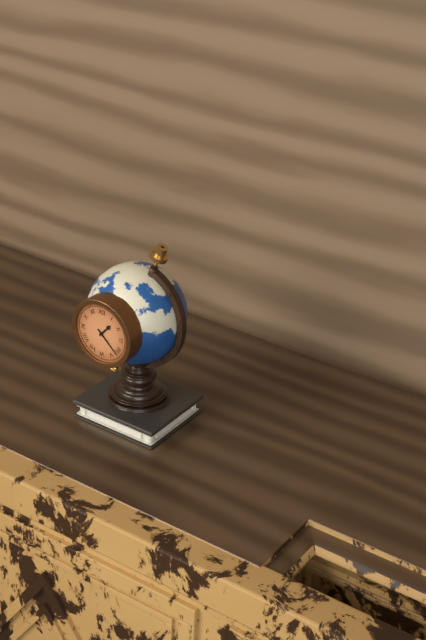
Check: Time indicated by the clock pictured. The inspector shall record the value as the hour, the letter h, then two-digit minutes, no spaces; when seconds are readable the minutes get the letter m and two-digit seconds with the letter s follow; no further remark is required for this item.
1h22
